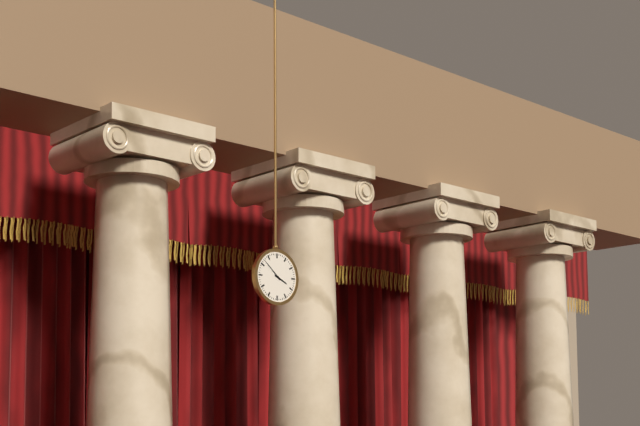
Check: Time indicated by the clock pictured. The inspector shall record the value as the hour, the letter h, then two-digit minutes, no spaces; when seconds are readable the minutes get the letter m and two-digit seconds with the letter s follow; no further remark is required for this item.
3h52
